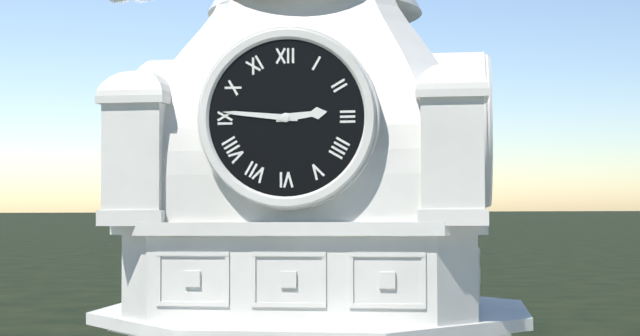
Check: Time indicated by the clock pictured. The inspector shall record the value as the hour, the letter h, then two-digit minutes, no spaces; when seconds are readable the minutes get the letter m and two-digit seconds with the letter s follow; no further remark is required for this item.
2h46
